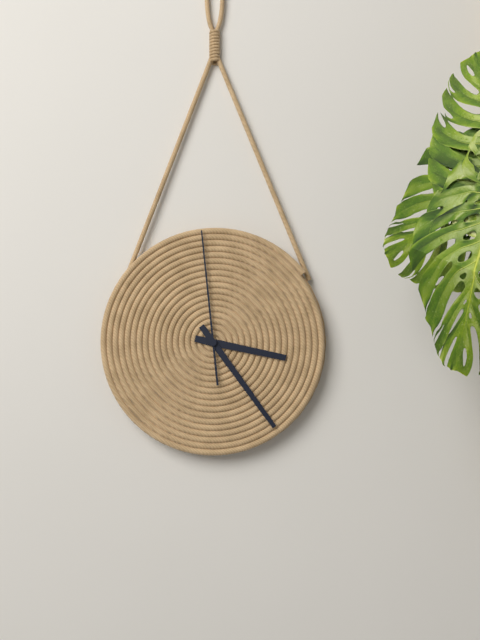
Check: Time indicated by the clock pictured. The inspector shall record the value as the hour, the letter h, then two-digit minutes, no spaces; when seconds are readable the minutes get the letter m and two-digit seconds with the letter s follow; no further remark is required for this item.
3h24m59s
